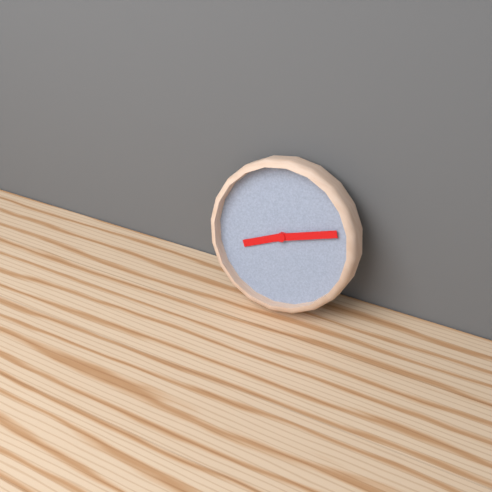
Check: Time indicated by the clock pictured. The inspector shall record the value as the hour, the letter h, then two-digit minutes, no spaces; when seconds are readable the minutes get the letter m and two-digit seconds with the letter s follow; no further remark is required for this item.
8h12
